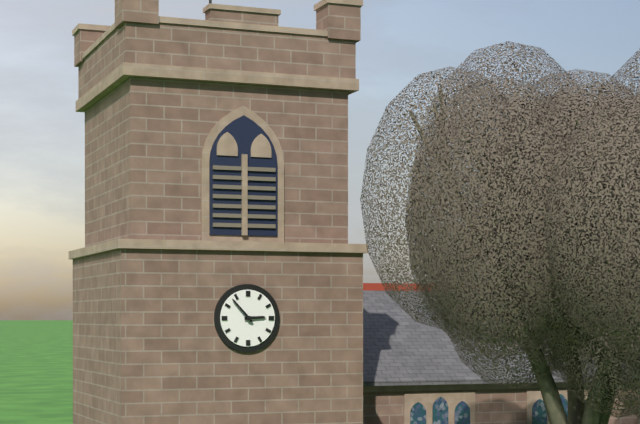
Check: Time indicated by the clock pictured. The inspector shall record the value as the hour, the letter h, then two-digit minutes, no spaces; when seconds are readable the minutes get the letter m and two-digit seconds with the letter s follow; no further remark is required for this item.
2h53
